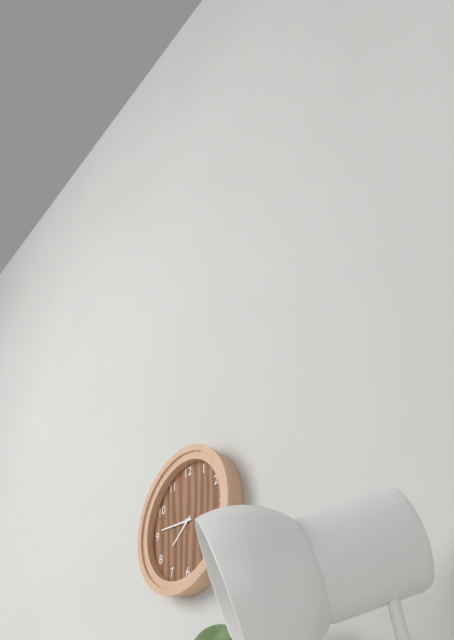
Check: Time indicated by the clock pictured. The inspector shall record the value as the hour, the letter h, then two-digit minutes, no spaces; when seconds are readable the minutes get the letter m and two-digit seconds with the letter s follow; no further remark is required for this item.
7h46
